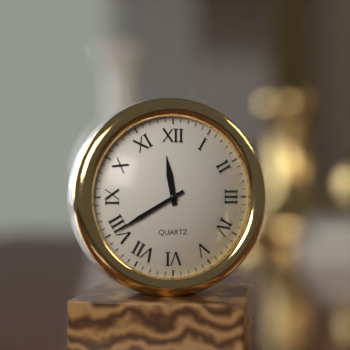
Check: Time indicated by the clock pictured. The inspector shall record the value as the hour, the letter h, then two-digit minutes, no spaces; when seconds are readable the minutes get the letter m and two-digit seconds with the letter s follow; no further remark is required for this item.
11h40
